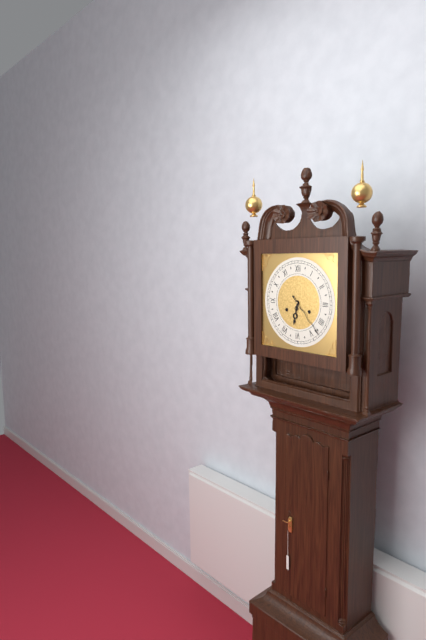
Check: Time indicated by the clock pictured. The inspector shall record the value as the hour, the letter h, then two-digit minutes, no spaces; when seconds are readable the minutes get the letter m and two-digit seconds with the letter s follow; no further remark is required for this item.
6h23
